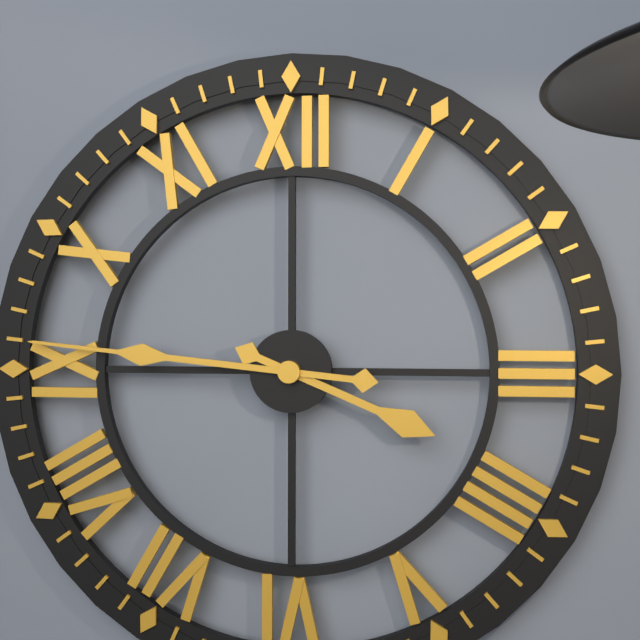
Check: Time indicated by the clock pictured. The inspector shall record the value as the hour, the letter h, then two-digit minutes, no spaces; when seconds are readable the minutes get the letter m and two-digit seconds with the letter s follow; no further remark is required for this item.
3h46
